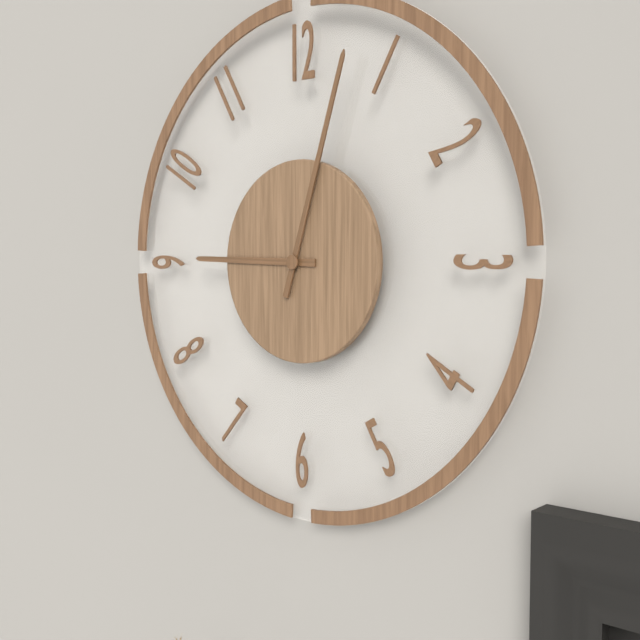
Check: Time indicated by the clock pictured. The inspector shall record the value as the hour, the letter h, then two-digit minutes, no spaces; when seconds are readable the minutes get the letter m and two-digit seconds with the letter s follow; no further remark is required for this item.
9h03
